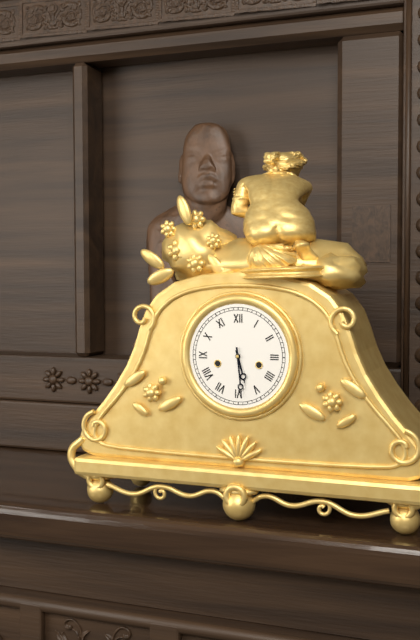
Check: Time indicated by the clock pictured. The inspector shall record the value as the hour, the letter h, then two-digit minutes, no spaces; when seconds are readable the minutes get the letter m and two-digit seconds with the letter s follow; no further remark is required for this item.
5h29
